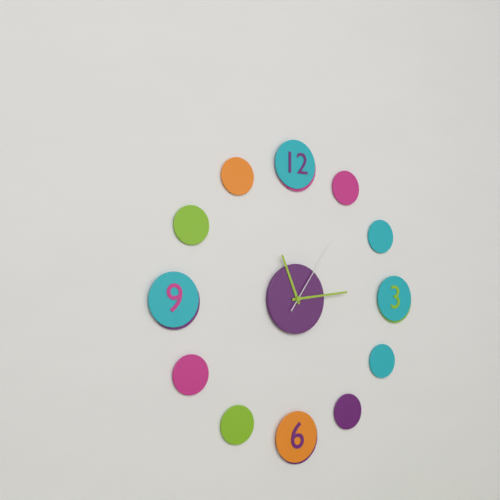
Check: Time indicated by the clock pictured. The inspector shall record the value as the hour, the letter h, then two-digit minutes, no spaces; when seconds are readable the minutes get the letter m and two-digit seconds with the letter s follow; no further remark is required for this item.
11h14m06s
